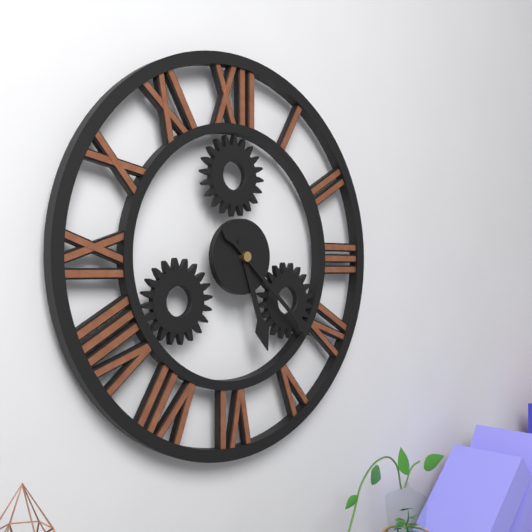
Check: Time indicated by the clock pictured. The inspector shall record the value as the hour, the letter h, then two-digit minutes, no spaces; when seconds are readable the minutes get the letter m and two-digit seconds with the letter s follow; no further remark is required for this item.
5h22
